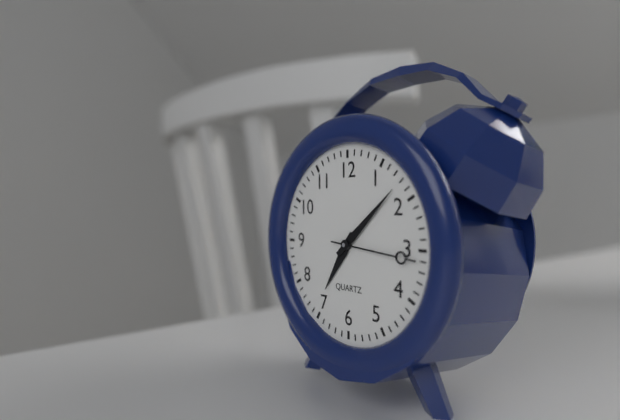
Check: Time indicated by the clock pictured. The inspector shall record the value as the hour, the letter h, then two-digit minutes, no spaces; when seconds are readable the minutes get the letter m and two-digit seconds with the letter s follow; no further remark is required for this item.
7h08m16s
